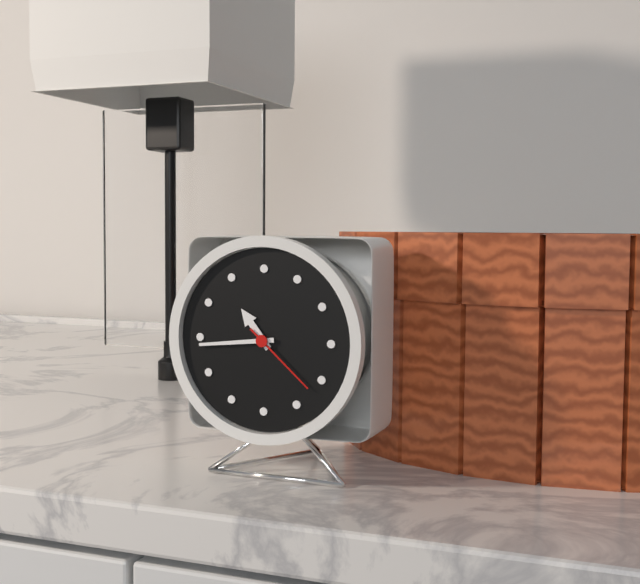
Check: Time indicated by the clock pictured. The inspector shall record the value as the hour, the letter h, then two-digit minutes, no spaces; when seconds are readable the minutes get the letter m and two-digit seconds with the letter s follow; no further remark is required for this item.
10h44m22s
